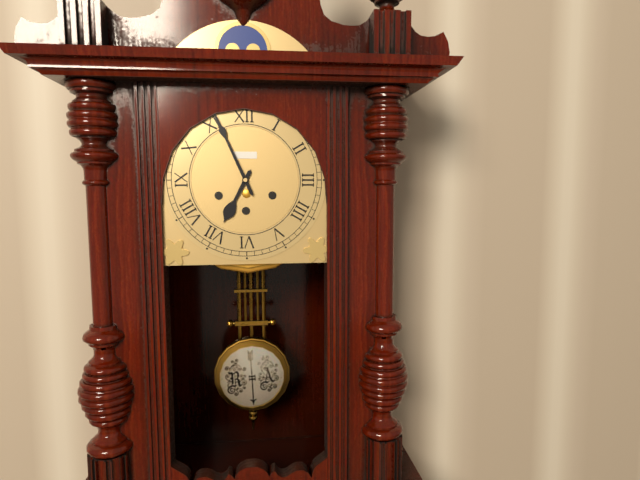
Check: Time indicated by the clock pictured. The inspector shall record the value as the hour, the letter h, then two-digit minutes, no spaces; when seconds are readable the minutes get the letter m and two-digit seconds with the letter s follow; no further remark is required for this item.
6h56
